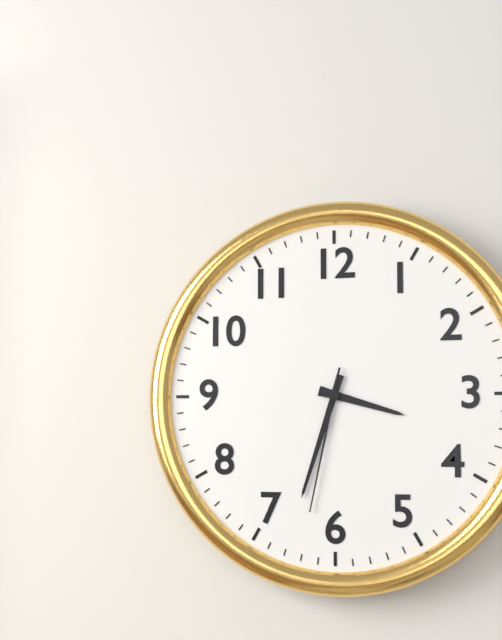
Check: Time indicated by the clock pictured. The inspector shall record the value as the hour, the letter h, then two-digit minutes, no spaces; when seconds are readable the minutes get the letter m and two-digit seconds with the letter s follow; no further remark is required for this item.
3h33m32s
